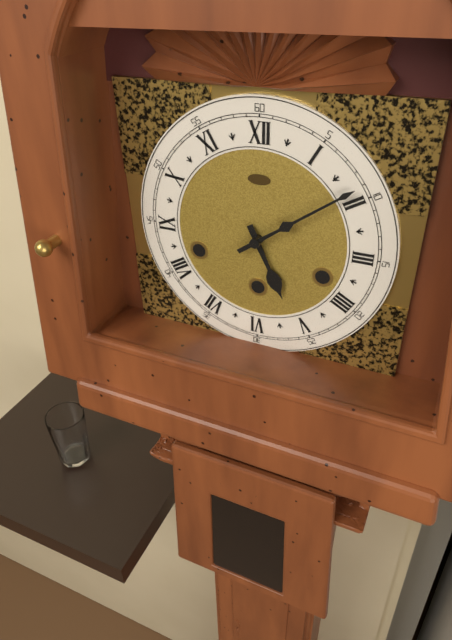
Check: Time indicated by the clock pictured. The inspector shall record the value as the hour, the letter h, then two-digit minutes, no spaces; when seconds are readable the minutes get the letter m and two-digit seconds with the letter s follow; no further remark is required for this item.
5h09
